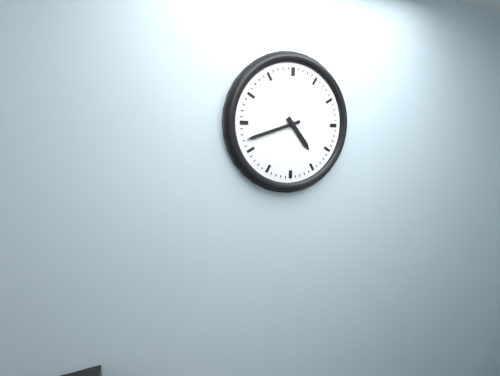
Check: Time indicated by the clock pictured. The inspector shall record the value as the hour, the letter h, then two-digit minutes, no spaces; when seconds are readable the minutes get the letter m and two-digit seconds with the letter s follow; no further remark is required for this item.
4h42
